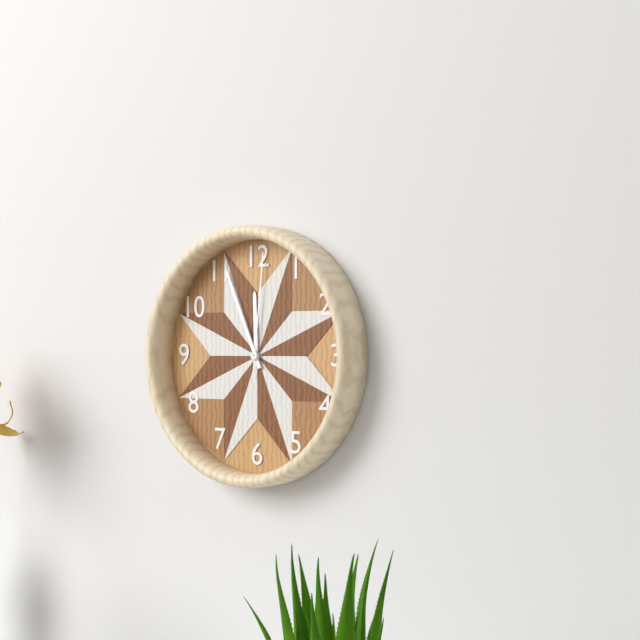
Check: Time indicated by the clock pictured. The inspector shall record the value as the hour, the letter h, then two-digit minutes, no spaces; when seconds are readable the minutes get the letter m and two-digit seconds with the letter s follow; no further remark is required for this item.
11h56m01s
